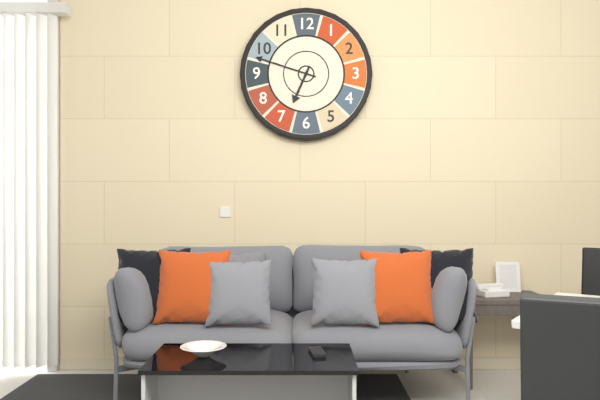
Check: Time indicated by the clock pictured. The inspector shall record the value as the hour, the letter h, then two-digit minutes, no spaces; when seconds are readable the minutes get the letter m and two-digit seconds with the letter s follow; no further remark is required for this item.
6h48
